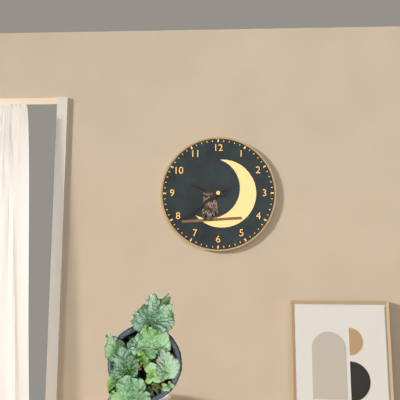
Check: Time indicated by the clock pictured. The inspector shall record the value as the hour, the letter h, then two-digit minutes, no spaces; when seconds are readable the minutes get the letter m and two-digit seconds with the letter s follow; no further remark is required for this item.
9h39
